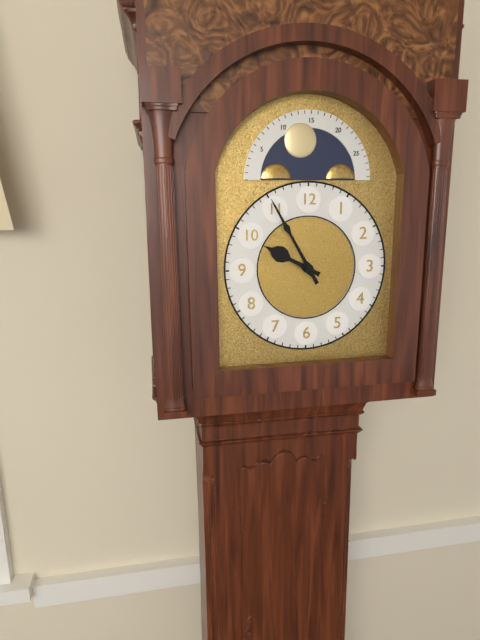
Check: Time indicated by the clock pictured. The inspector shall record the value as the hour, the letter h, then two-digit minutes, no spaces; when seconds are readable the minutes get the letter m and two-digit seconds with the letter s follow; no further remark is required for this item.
9h55
